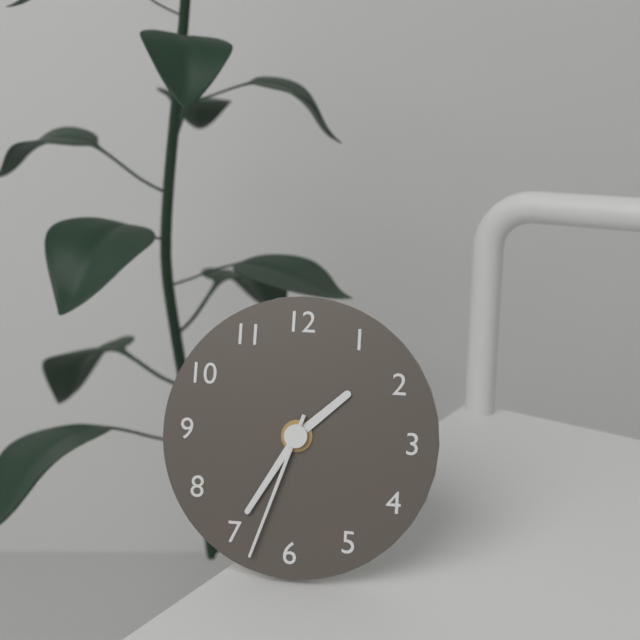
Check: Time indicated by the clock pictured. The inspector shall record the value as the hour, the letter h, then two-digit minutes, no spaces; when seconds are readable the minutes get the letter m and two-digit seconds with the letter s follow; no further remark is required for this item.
1h35m33s
